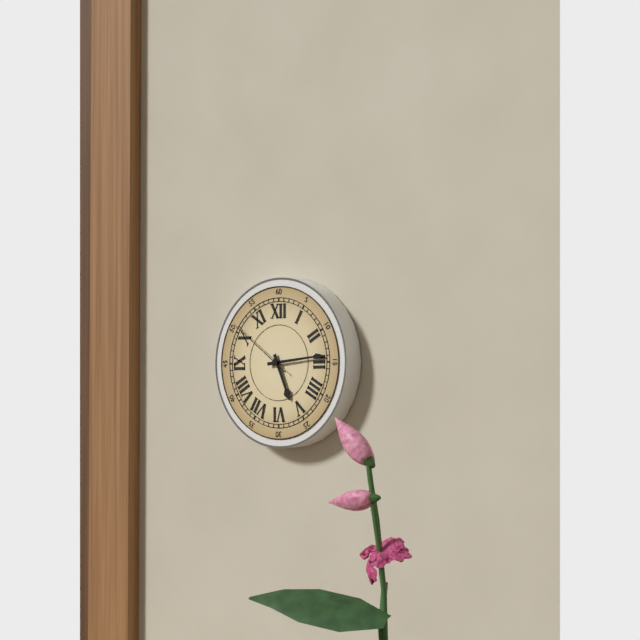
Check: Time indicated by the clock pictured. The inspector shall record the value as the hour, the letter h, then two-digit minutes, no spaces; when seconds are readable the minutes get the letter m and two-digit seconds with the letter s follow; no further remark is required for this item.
5h14m51s
